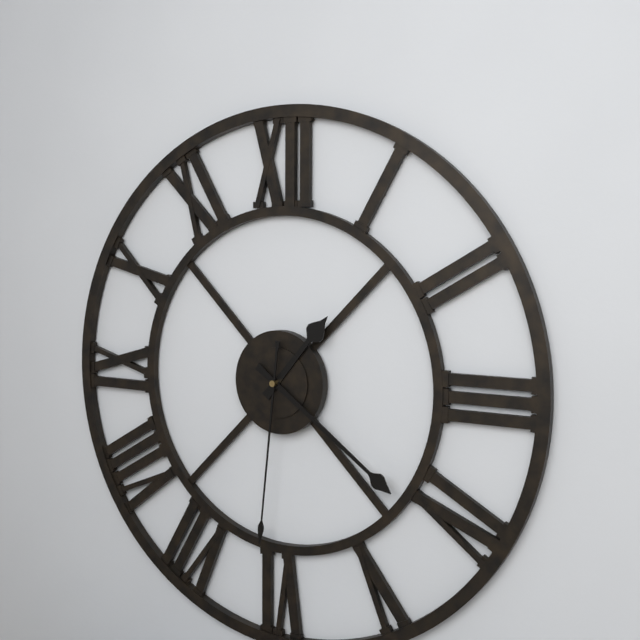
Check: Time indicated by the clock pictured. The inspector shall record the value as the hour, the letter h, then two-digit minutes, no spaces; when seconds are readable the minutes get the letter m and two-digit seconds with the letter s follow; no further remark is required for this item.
1h21m31s
